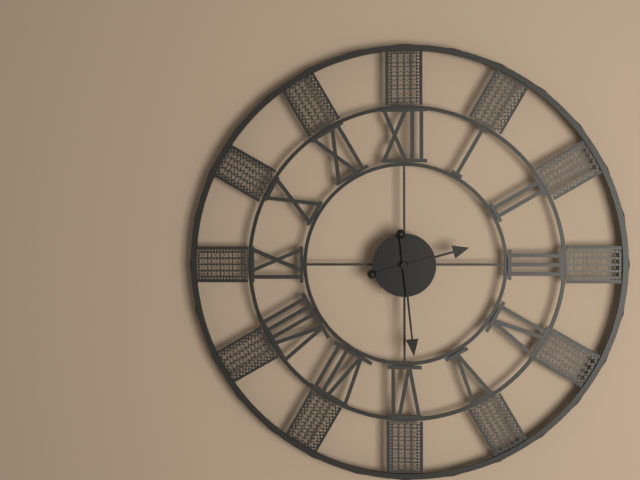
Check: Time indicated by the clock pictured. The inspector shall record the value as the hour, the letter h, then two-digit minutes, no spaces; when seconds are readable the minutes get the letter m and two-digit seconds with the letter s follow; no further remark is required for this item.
2h29
